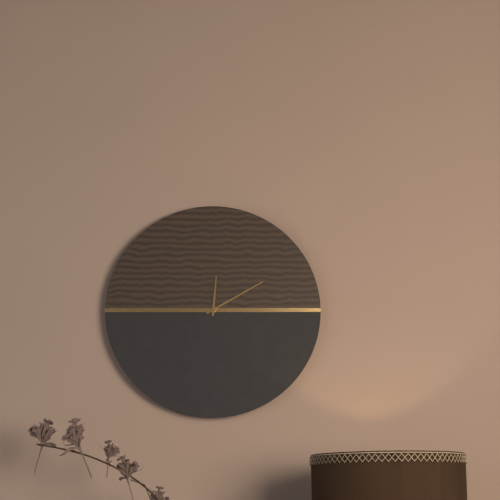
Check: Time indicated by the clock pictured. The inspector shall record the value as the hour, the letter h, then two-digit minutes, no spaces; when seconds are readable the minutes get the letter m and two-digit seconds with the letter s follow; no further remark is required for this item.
12h10
